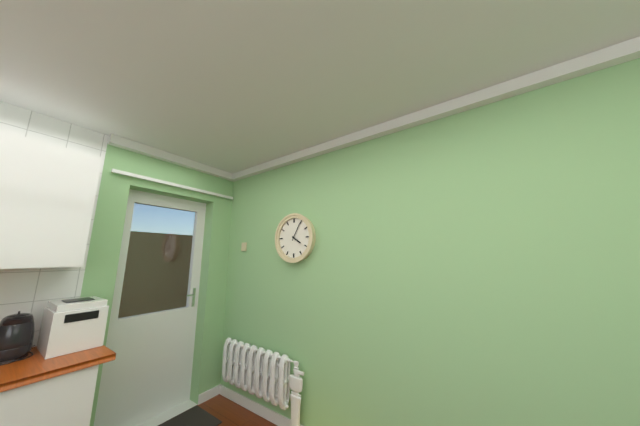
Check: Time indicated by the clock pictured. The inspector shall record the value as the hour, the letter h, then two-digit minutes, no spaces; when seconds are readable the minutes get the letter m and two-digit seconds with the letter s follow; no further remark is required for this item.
4h05
